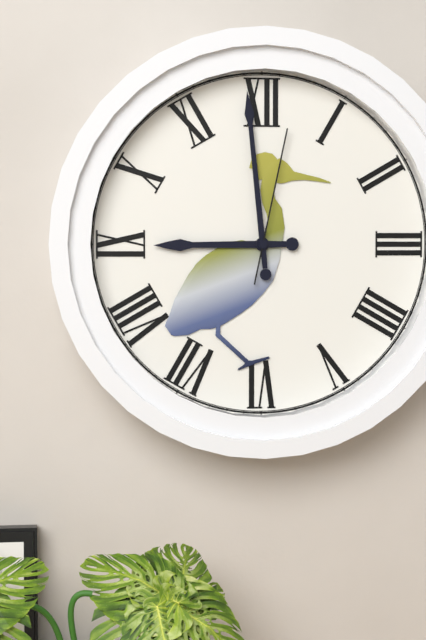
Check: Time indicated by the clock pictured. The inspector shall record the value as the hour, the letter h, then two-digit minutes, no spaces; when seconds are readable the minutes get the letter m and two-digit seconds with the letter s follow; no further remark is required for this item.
8h59m02s
